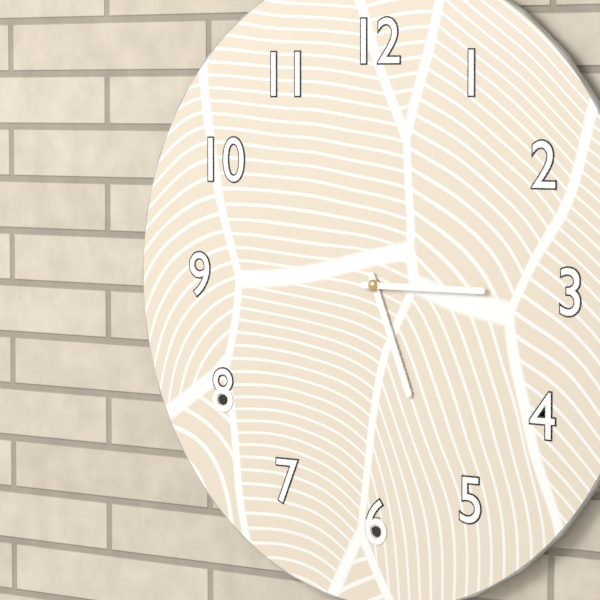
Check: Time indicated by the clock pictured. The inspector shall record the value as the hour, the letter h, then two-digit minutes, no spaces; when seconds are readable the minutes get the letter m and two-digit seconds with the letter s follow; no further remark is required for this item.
5h15
